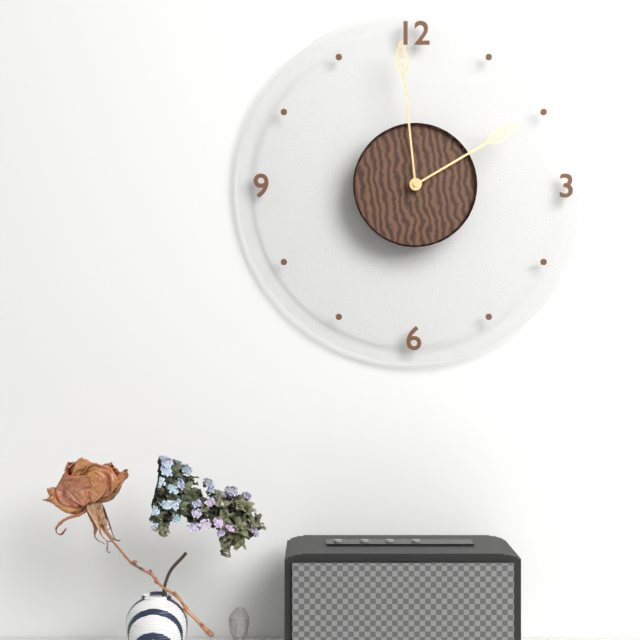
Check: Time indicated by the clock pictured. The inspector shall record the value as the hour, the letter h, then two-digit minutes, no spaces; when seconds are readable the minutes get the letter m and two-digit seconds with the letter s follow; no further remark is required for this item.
1h59
